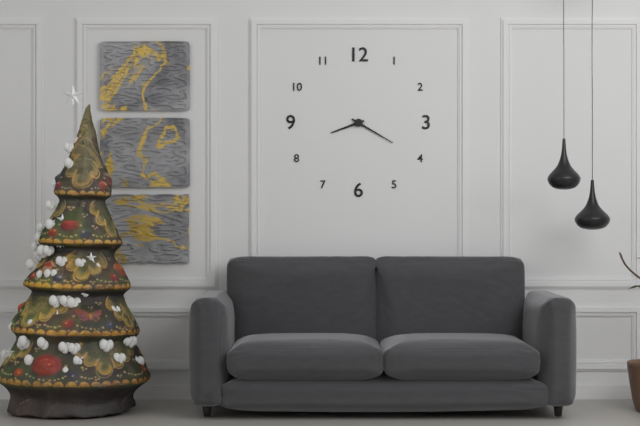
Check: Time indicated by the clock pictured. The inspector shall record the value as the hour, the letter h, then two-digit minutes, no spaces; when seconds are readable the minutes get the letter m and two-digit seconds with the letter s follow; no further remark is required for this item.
8h20
